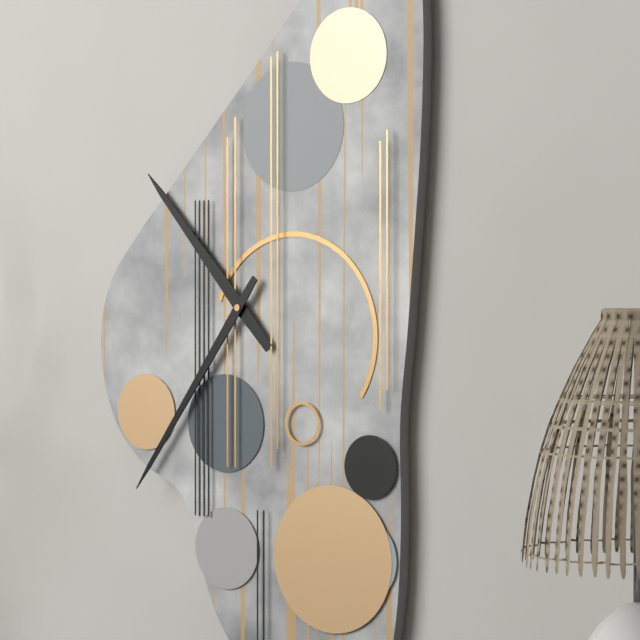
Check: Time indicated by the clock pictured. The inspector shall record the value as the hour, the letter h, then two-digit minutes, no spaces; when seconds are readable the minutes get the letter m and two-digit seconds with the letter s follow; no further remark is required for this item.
10h36
